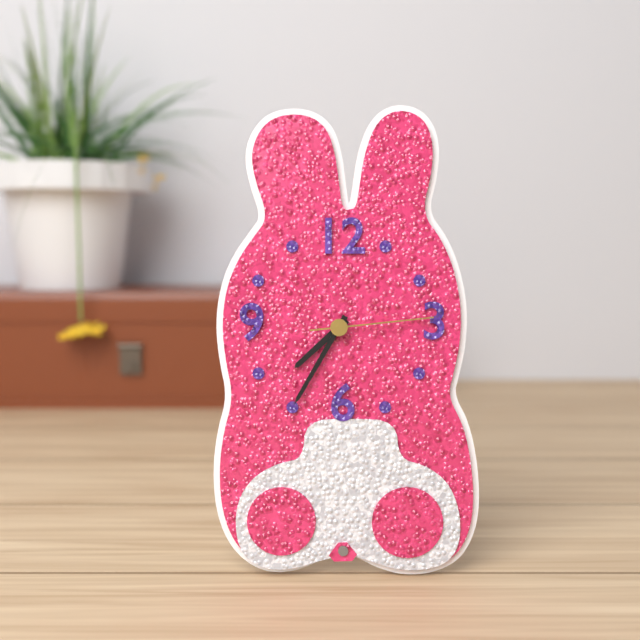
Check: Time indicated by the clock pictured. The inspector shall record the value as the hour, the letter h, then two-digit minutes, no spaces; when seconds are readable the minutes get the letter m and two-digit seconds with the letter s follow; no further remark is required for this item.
7h35m14s
